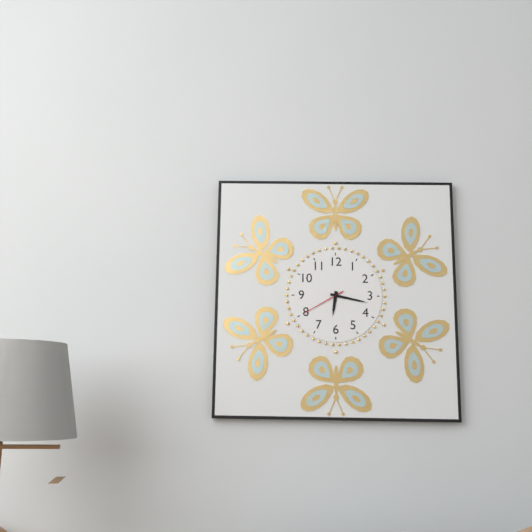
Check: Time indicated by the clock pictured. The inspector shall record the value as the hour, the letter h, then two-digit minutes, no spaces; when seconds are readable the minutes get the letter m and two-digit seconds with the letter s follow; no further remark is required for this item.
6h17
